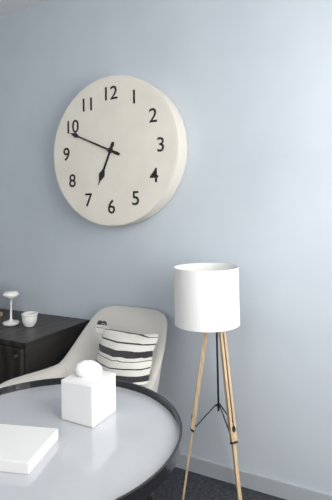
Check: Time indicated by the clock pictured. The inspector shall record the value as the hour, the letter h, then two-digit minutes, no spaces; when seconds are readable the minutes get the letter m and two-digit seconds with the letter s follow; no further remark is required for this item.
6h49
